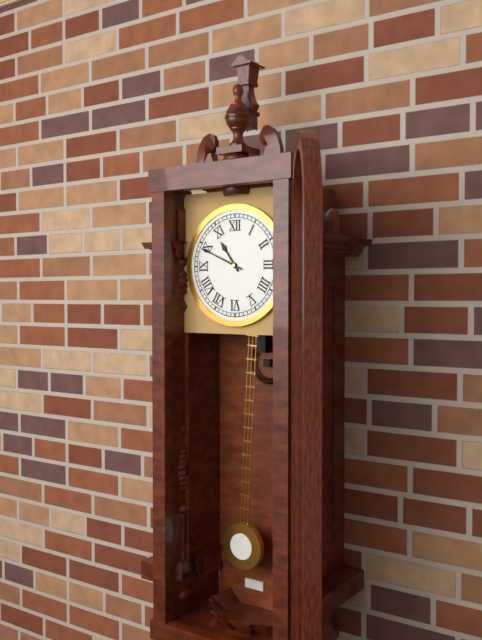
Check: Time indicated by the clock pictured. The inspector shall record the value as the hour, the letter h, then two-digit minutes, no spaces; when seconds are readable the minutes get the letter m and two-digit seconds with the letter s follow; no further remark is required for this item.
10h49
